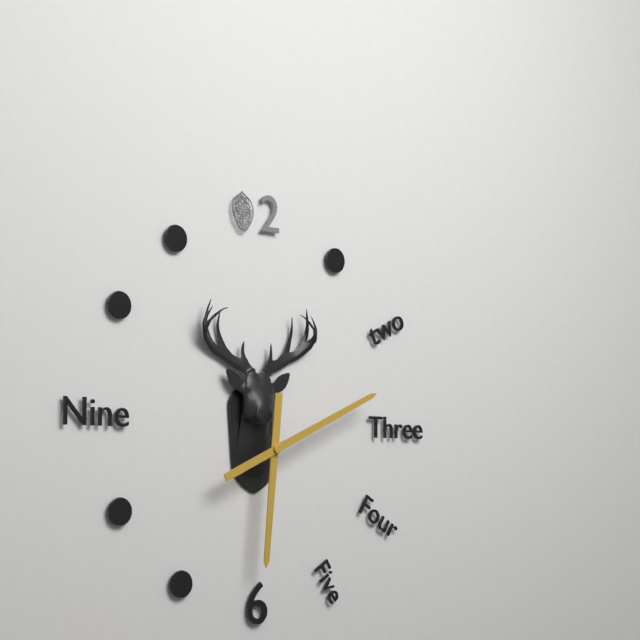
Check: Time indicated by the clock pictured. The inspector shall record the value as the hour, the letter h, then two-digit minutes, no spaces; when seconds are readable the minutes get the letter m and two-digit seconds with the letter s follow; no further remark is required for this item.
6h11
